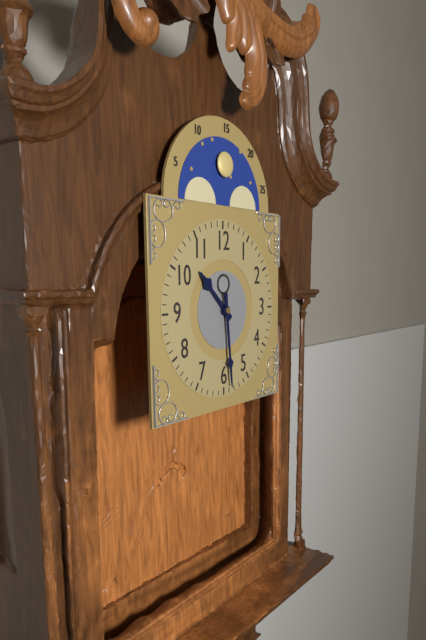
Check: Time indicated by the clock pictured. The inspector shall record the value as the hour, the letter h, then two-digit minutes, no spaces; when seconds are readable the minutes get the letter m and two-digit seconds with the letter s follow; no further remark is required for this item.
10h29
